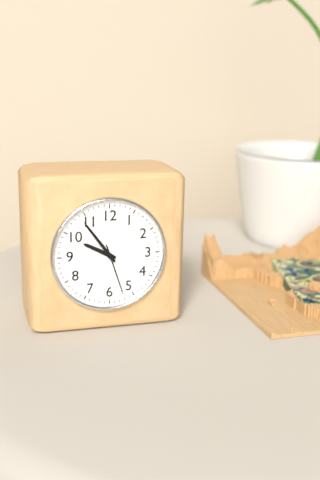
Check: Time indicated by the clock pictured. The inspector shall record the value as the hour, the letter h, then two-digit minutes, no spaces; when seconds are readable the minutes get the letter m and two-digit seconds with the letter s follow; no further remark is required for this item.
9h54m27s
